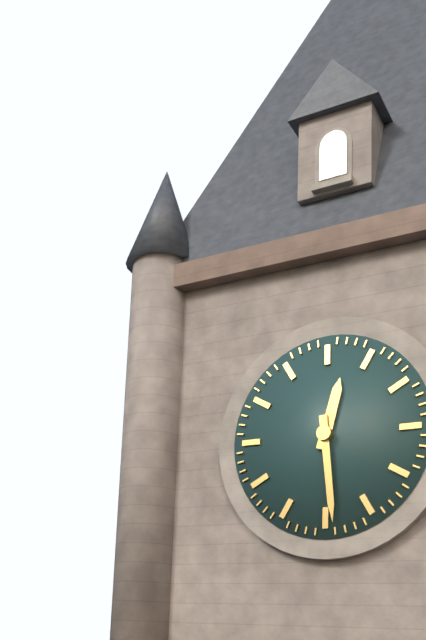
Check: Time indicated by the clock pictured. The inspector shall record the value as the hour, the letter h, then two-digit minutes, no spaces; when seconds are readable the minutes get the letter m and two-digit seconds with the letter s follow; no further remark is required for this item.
12h29
